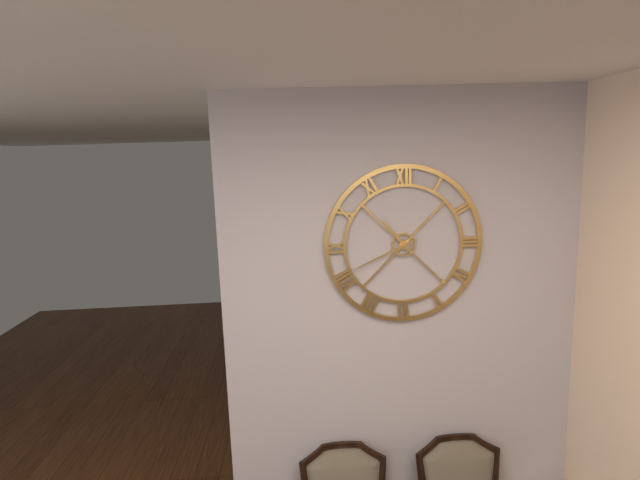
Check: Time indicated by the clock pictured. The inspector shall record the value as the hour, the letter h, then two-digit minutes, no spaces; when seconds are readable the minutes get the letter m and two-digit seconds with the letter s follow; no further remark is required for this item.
10h41
